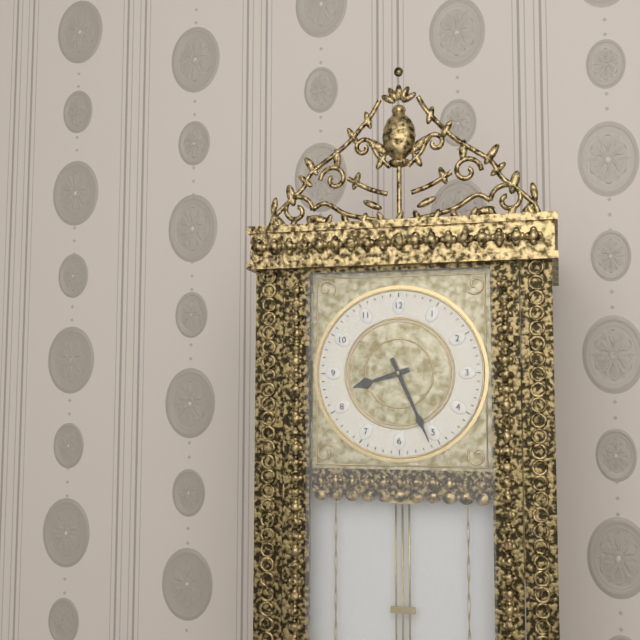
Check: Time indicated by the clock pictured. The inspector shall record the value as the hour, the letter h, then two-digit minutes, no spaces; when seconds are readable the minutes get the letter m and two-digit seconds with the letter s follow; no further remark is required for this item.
8h26
